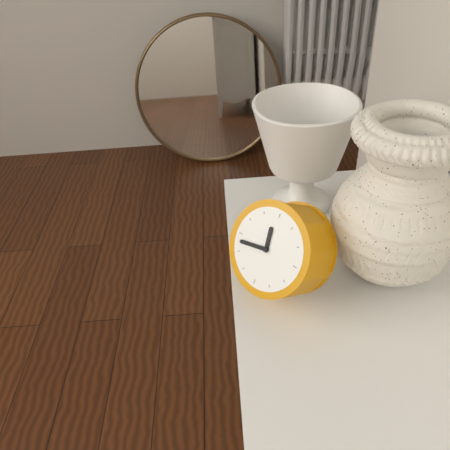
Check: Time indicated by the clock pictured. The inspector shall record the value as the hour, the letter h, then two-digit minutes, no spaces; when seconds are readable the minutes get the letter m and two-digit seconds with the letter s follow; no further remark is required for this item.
11h43
